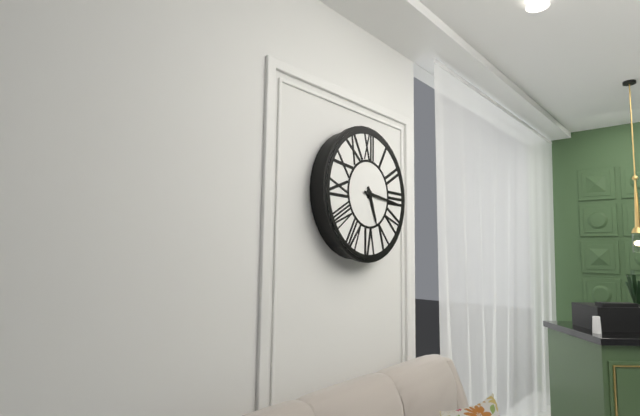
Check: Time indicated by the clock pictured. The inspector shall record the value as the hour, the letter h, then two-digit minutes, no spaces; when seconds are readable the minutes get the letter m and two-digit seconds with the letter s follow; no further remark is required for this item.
5h16
